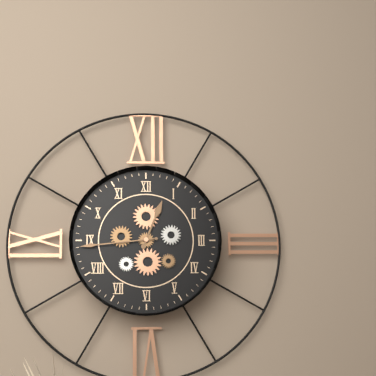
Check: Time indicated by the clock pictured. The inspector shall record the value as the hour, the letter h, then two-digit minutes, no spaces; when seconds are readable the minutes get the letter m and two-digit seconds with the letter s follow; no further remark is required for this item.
12h44
